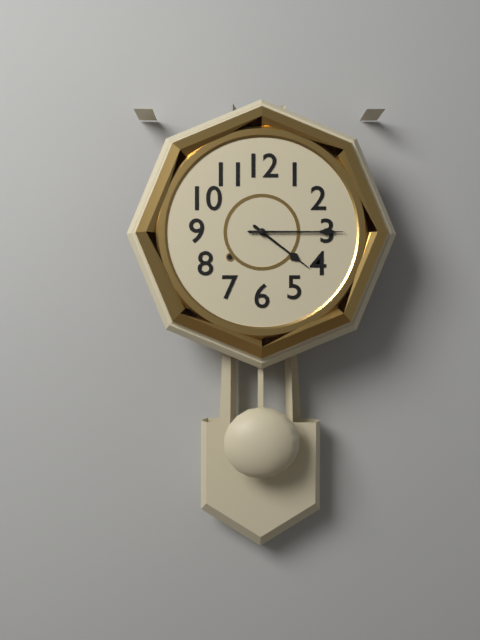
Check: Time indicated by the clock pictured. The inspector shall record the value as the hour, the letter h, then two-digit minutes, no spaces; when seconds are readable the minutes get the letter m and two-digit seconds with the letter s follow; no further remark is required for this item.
4h15
